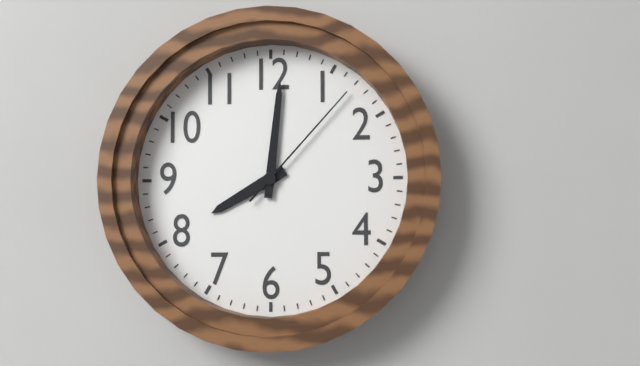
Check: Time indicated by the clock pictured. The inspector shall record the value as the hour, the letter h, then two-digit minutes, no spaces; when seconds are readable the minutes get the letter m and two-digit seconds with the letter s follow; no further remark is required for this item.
8h01m07s
